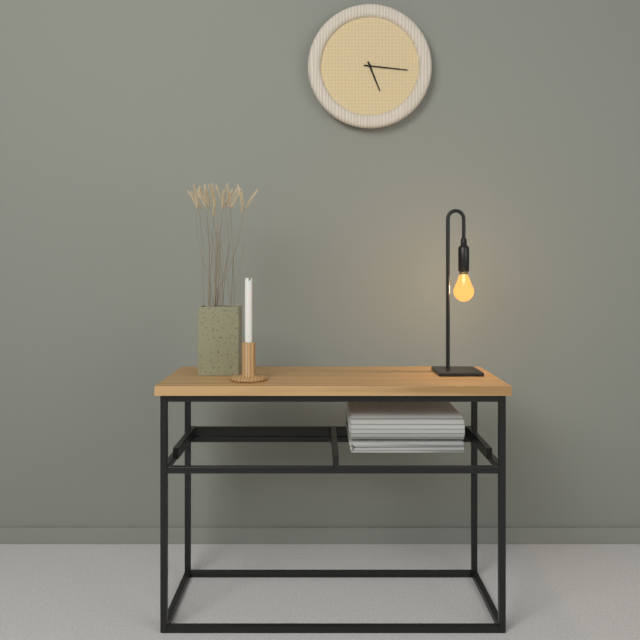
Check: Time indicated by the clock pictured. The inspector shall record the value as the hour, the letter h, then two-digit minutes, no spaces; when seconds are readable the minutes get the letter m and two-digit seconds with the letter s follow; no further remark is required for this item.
5h16
